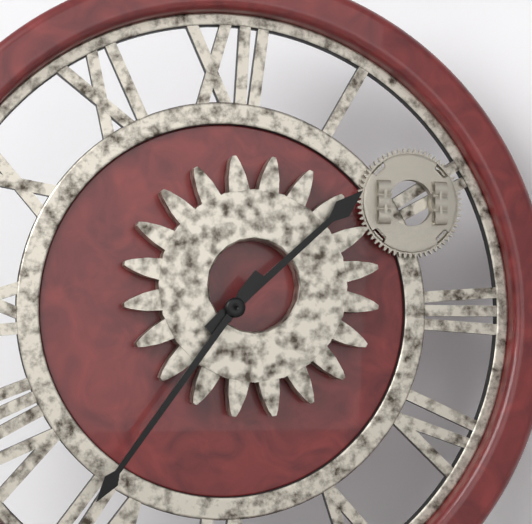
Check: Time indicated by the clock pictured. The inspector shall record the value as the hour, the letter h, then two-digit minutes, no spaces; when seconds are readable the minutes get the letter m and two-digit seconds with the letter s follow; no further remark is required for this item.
1h36
